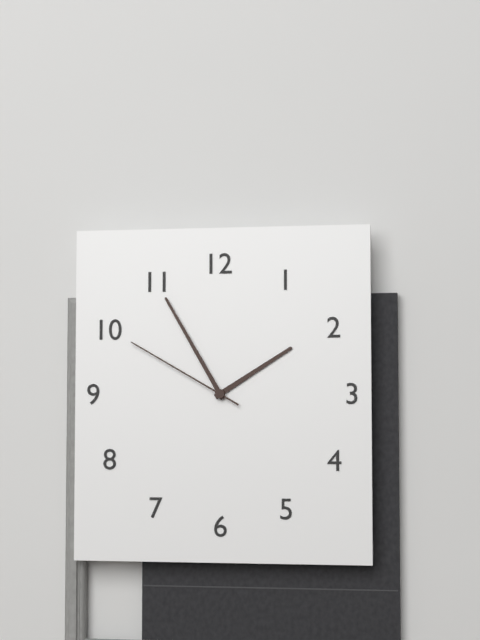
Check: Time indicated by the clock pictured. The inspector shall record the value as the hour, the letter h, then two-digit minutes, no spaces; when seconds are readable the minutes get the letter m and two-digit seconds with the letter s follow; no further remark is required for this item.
1h55m50s
